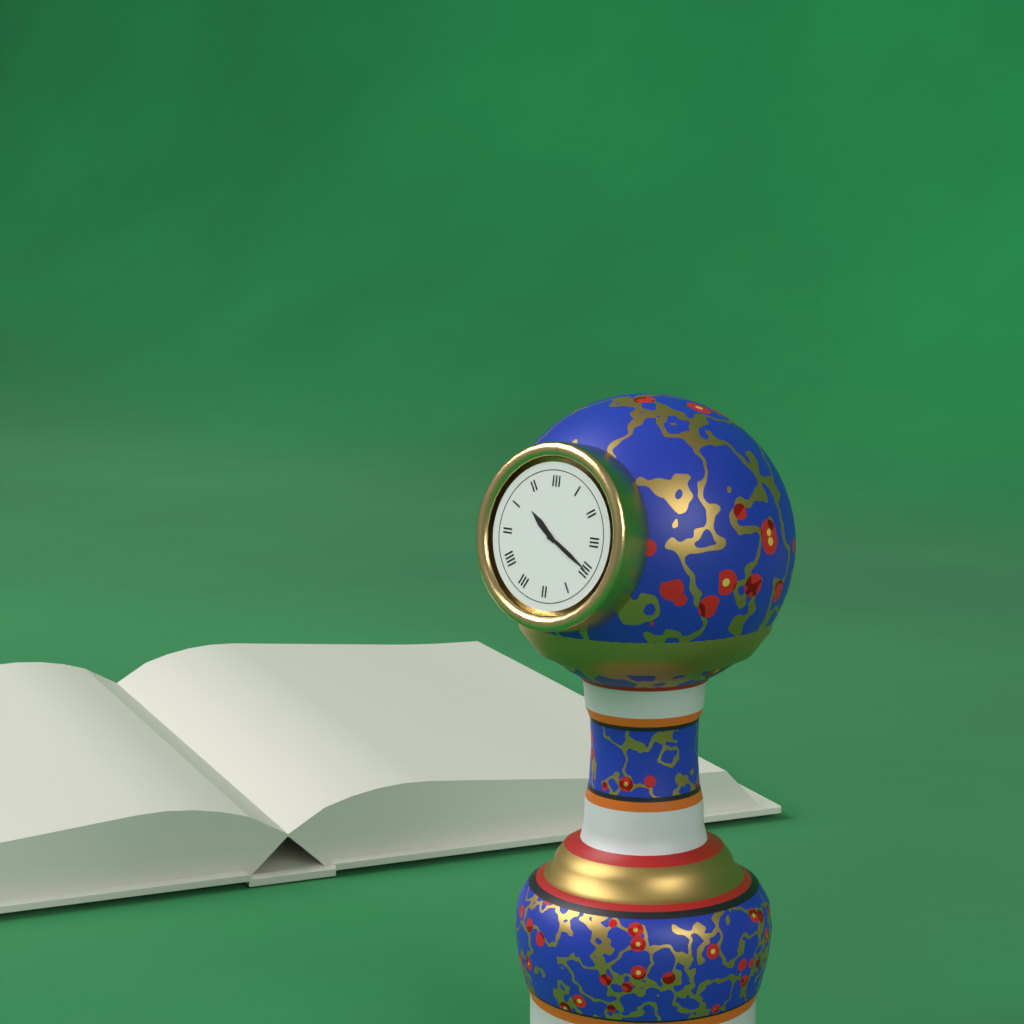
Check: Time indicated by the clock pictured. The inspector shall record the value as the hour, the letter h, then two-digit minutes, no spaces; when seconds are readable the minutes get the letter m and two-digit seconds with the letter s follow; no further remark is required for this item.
10h20
